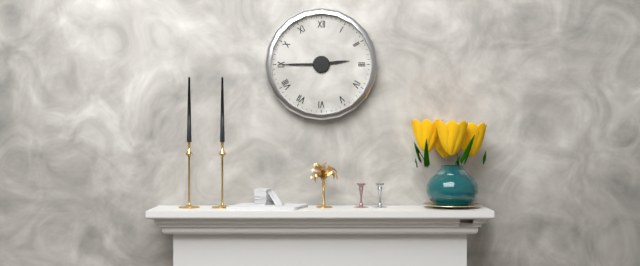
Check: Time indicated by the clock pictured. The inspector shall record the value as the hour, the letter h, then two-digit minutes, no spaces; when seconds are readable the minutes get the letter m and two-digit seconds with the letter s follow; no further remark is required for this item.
2h45
